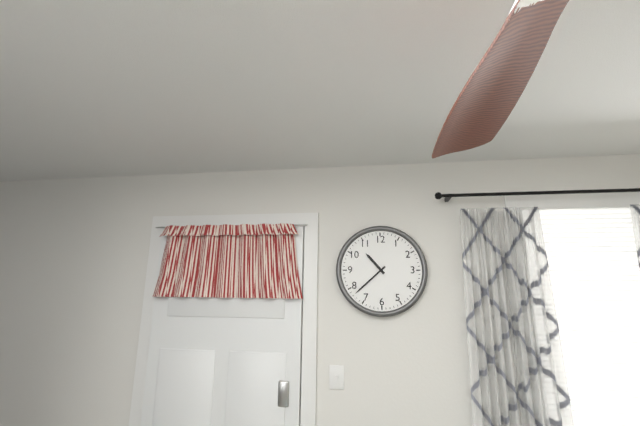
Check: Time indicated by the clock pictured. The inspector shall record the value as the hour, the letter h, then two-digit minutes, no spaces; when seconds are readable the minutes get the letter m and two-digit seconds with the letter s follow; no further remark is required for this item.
10h38
